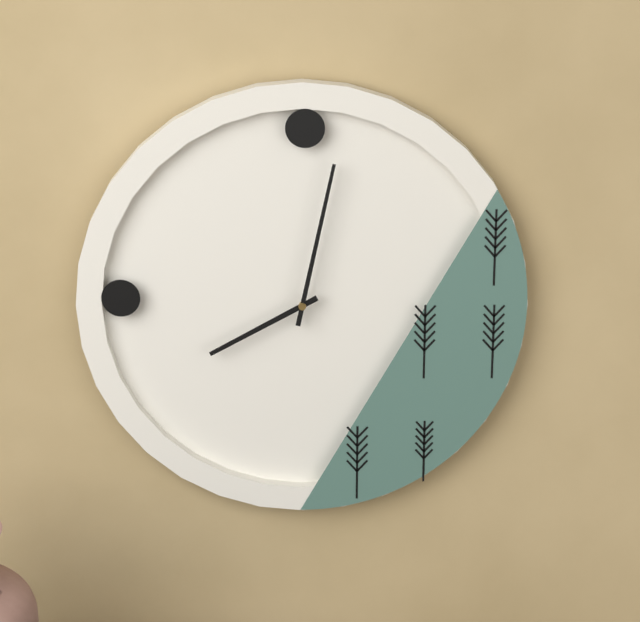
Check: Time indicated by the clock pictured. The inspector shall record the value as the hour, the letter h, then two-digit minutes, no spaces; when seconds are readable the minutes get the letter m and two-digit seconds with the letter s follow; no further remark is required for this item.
8h02
